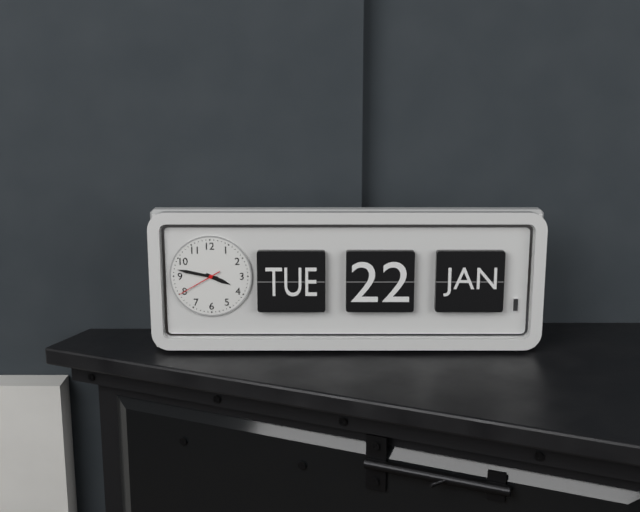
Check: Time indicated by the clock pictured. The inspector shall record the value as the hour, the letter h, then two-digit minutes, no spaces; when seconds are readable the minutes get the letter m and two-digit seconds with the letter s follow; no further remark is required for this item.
3h47
